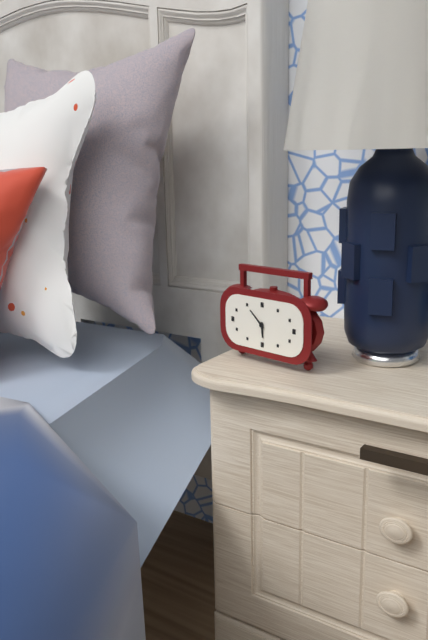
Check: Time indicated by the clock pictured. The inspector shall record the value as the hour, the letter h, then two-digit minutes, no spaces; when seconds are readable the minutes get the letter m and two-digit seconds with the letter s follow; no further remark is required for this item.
5h52
